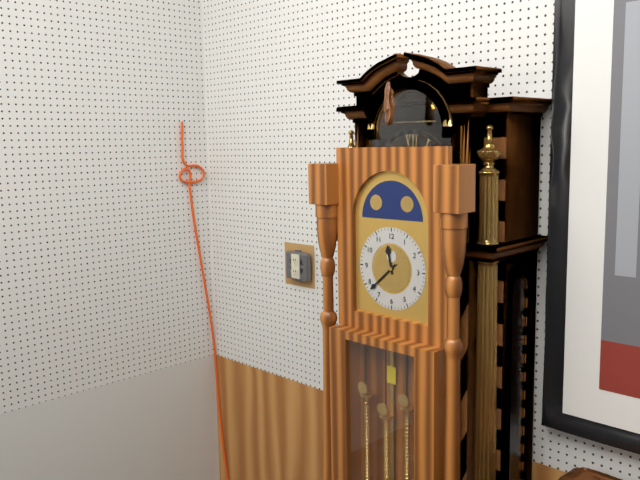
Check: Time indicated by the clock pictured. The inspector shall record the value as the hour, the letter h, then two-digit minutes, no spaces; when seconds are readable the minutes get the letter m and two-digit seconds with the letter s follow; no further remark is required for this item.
11h38
